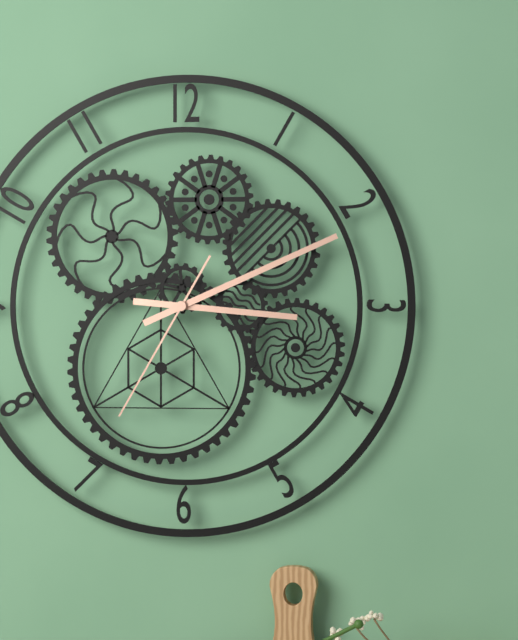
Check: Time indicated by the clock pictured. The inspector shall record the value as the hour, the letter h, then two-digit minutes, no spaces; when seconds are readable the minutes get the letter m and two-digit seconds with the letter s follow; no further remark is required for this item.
3h11m35s
